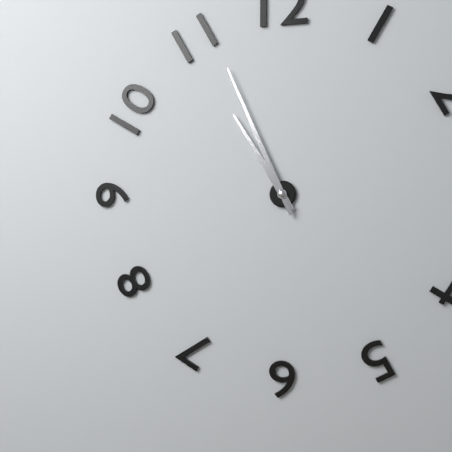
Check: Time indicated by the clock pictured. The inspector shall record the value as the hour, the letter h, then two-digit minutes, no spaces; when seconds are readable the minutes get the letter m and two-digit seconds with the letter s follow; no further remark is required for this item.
10h56
